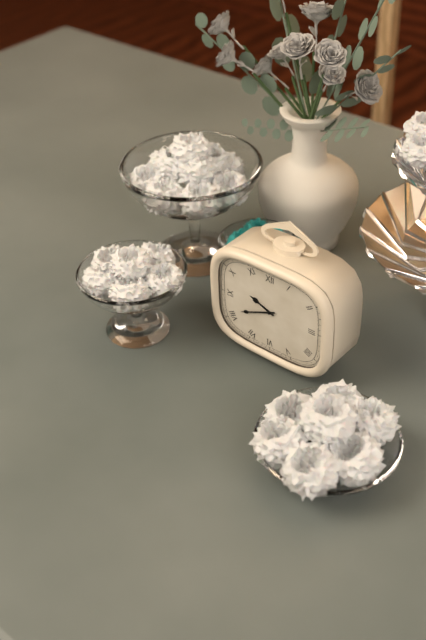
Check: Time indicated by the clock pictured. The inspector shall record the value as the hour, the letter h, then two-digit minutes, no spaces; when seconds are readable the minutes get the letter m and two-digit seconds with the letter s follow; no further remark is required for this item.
9h41
